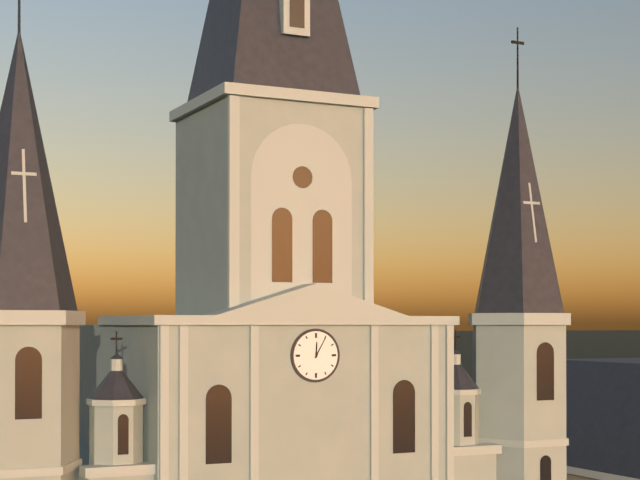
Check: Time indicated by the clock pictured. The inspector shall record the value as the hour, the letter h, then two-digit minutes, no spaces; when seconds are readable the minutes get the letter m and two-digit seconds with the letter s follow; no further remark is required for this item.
12h05
